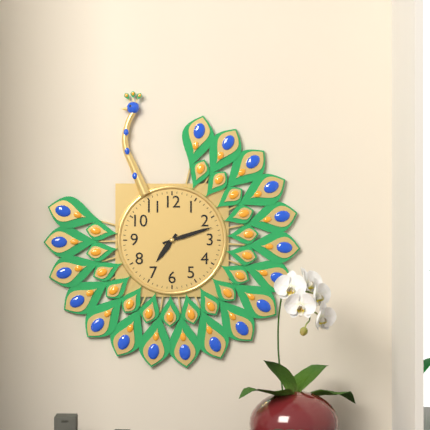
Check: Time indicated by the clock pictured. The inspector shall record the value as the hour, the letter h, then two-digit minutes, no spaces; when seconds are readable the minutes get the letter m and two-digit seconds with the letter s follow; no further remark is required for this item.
7h12
